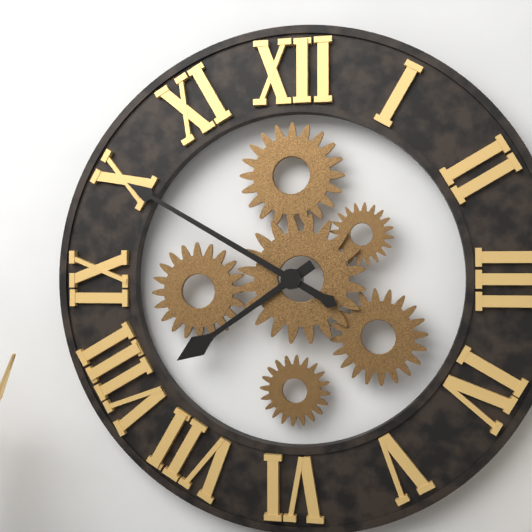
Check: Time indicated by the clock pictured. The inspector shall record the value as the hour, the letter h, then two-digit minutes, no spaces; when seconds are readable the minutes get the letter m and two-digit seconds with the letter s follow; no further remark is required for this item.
7h50
